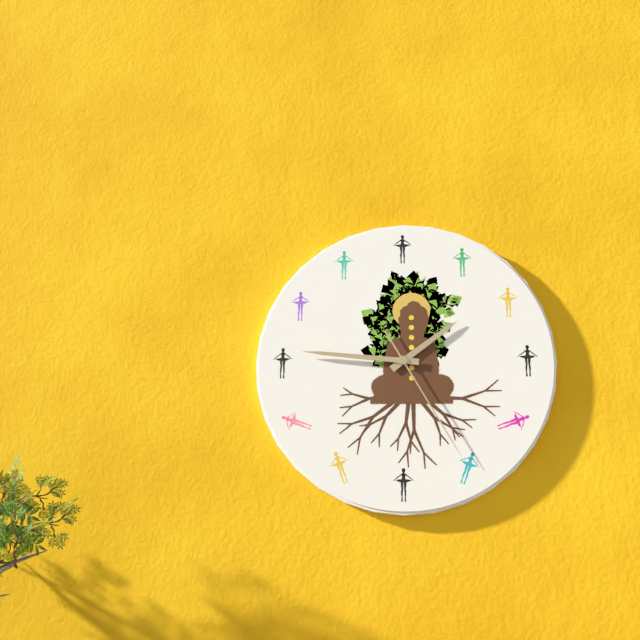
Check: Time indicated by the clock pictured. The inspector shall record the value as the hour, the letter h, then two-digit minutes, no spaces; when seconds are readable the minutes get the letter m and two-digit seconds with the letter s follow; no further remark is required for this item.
1h46m25s
